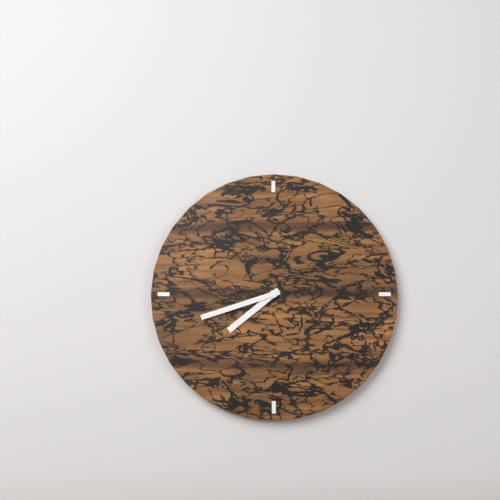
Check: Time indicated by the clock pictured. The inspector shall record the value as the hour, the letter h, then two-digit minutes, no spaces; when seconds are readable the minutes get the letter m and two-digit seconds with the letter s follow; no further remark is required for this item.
7h42
